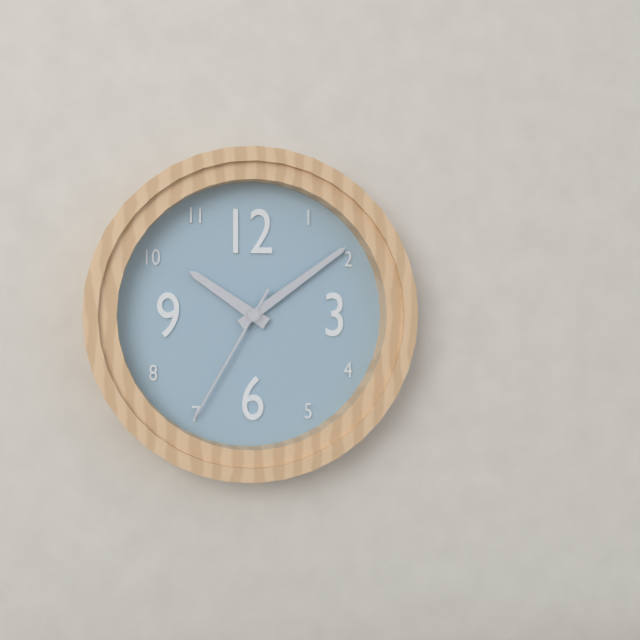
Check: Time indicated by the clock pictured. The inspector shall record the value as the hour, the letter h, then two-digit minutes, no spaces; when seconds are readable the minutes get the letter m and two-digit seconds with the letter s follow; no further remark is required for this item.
10h09m35s
